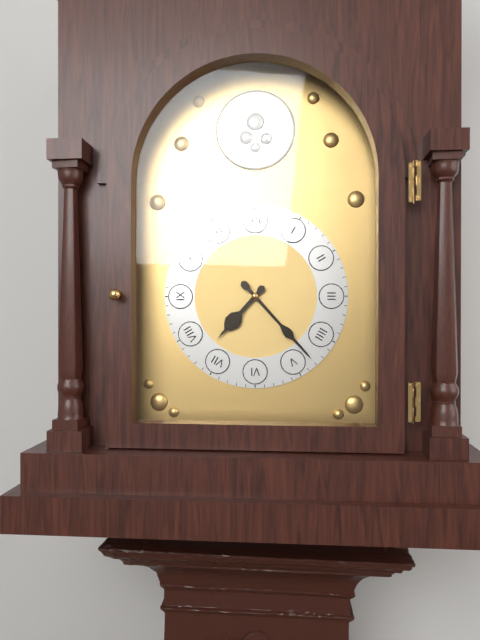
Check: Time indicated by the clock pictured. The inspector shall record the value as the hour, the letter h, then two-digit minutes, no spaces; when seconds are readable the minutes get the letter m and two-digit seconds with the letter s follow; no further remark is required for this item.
7h23
